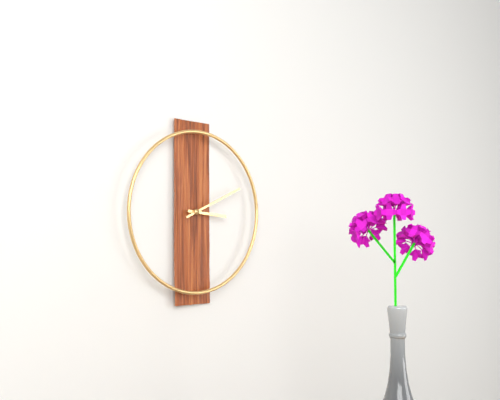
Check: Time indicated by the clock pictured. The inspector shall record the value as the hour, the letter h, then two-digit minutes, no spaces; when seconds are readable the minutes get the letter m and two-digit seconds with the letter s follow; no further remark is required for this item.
3h11
